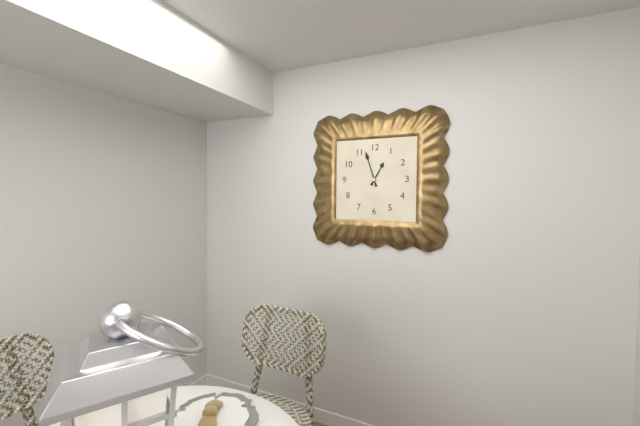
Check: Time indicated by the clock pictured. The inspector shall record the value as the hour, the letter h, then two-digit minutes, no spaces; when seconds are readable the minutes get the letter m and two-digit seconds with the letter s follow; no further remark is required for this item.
12h57
